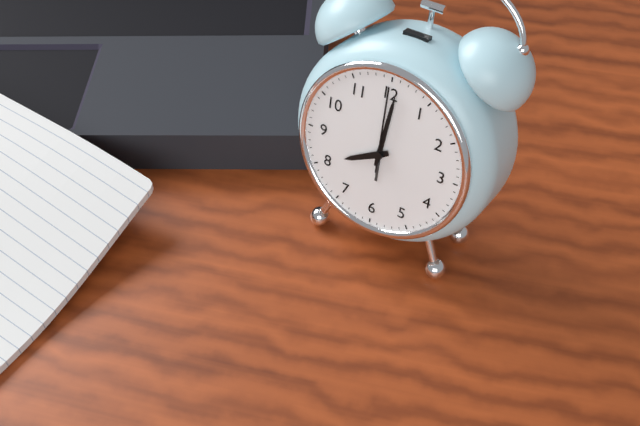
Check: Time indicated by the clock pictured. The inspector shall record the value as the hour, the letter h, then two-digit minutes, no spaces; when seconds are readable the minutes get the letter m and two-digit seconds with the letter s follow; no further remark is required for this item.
8h01m00s
